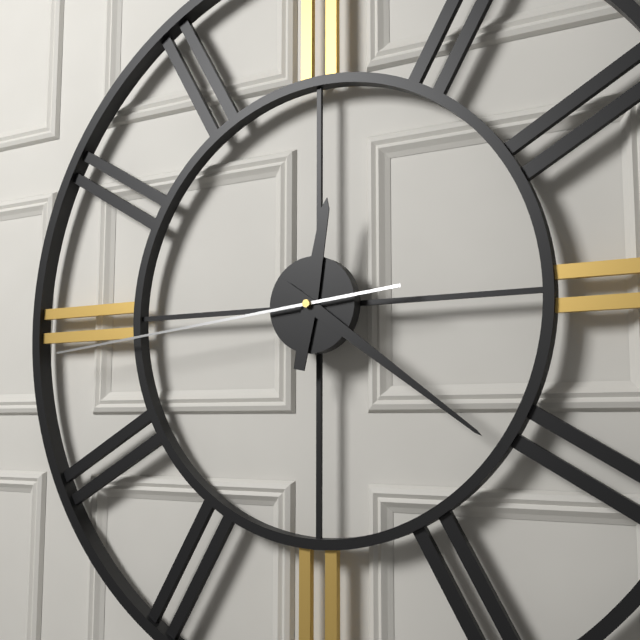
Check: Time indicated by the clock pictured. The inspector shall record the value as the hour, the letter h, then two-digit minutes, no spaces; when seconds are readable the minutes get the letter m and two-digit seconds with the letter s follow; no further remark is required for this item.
12h21m44s
